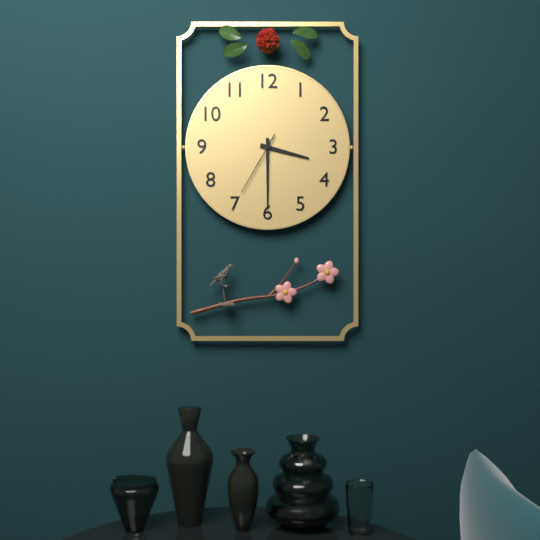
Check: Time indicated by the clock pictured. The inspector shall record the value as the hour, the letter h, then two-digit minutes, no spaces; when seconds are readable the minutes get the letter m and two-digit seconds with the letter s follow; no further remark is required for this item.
3h30m35s
